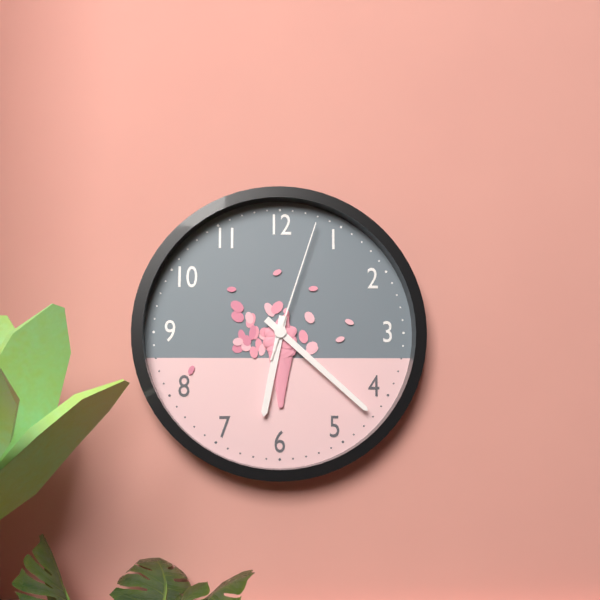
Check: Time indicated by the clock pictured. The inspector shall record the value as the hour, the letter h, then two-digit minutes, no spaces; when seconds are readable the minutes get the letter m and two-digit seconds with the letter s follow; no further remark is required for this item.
6h22m03s
